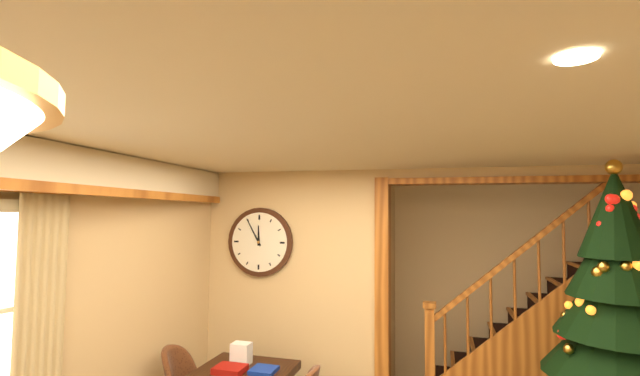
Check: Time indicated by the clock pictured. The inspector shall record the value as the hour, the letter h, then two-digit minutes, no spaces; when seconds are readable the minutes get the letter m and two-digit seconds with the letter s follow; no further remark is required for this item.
11h55
